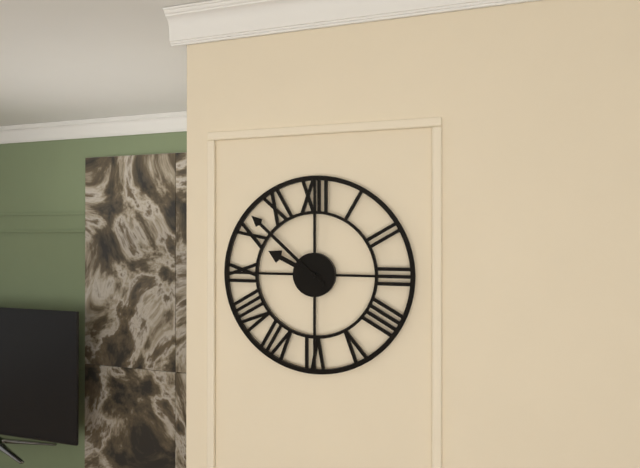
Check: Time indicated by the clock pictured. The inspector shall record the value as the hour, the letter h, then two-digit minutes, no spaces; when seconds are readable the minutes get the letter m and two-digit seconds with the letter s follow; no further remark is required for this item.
9h52
